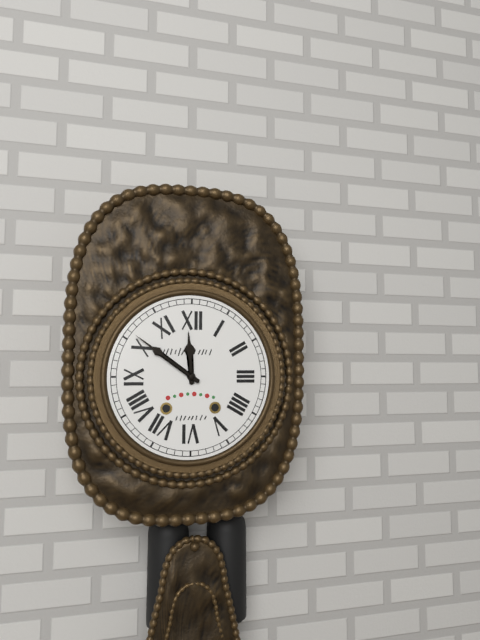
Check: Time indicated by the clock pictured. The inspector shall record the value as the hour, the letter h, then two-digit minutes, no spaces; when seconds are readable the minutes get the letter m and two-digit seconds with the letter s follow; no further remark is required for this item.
11h51
